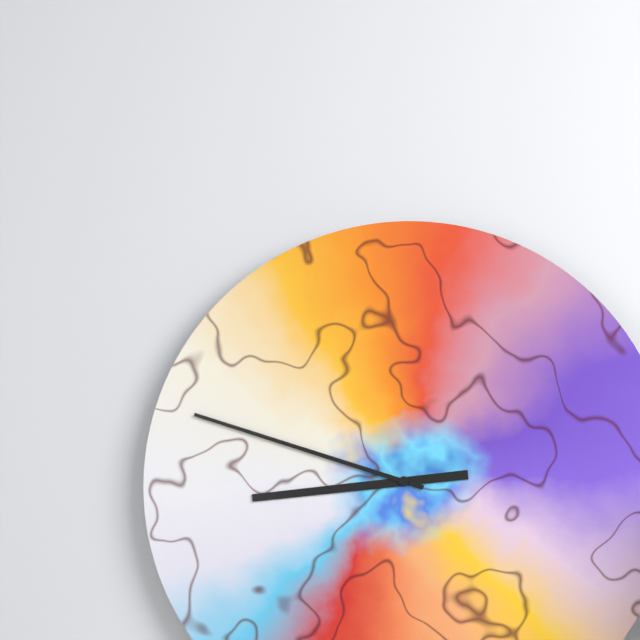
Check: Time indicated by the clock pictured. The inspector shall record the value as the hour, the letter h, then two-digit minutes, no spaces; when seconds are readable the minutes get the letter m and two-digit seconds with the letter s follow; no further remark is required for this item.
8h48
